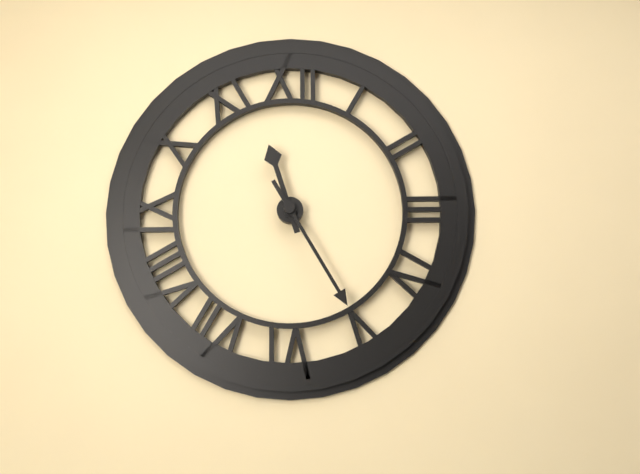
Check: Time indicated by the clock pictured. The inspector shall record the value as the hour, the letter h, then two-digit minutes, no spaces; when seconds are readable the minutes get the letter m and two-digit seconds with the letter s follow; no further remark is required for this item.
11h25
